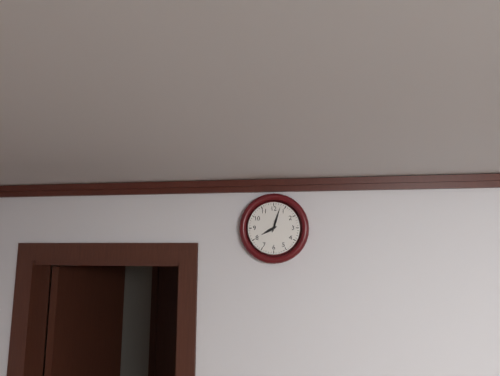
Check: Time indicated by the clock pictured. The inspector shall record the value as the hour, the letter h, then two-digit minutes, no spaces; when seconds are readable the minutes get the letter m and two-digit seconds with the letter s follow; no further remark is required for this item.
8h03
